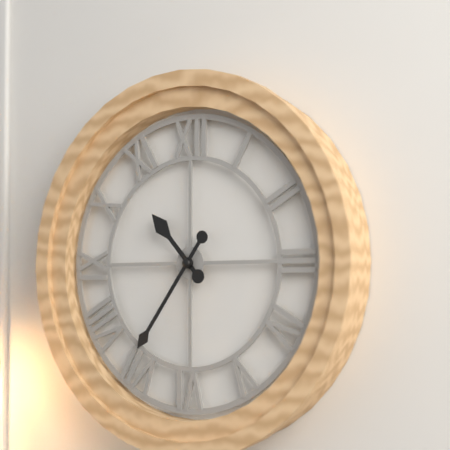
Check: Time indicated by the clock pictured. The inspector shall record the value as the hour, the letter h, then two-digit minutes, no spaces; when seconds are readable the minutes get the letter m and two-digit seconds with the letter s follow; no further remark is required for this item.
10h36
